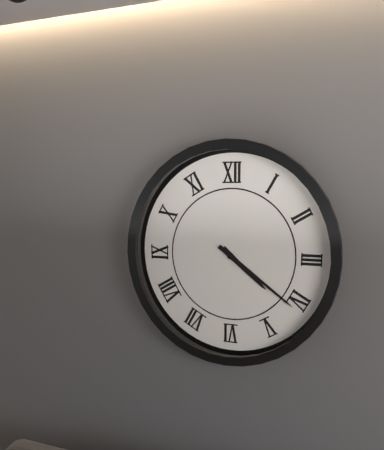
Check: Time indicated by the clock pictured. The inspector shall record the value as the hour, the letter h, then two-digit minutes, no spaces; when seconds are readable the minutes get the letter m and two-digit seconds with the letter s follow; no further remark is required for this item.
4h21
